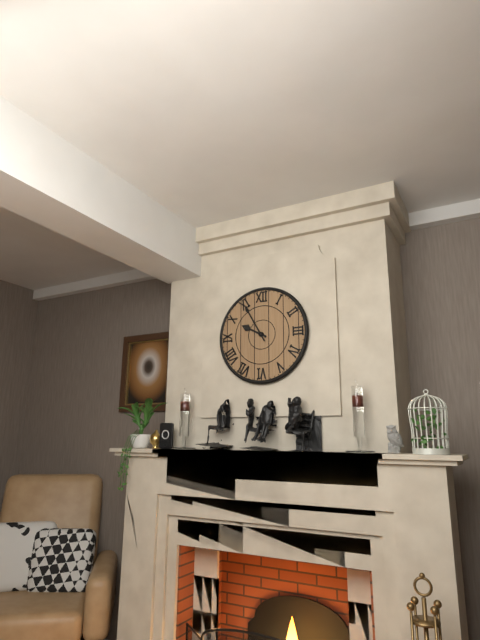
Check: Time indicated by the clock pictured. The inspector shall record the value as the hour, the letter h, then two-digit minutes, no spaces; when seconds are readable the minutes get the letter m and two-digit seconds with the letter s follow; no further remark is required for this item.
9h55
